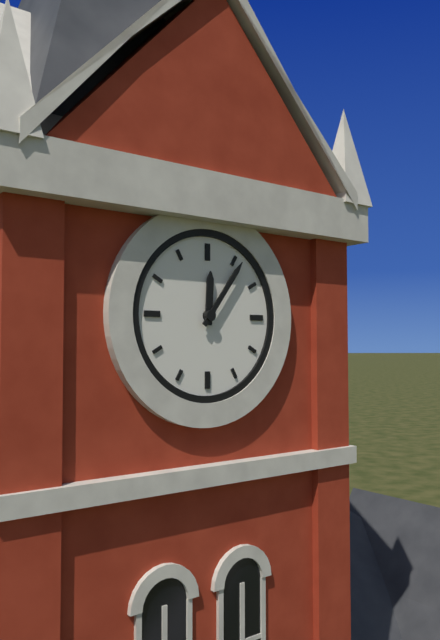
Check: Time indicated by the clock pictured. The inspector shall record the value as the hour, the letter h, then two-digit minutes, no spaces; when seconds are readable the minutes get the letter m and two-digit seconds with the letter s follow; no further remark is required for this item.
12h06
